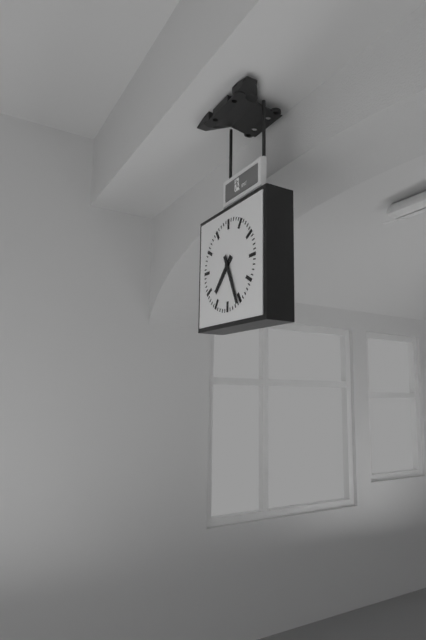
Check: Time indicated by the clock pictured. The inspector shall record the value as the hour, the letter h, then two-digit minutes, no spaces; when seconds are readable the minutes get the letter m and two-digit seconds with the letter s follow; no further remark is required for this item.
7h26
